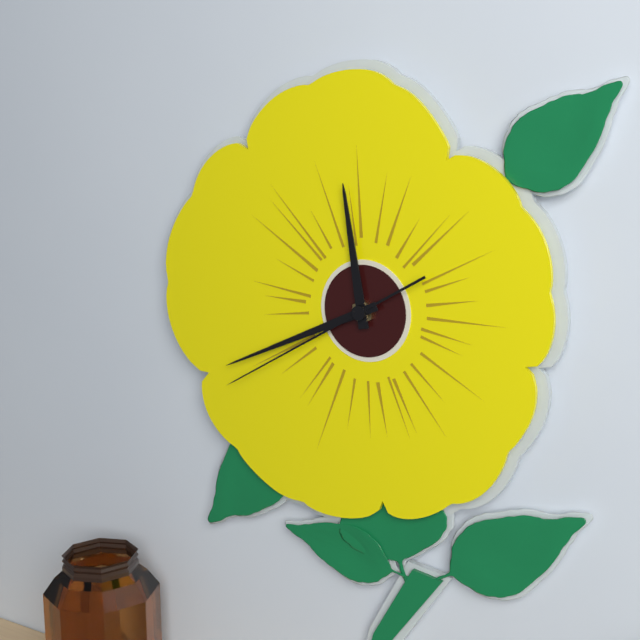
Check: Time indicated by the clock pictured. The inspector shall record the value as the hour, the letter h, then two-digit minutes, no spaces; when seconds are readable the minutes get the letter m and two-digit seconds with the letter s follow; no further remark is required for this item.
11h41m40s
